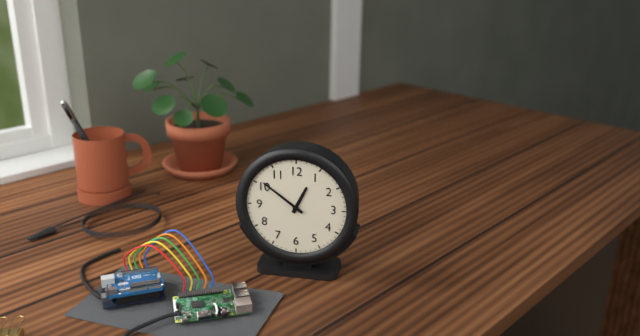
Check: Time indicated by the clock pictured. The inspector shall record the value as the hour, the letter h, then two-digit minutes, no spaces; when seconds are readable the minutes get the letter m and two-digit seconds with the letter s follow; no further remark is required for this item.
12h51
